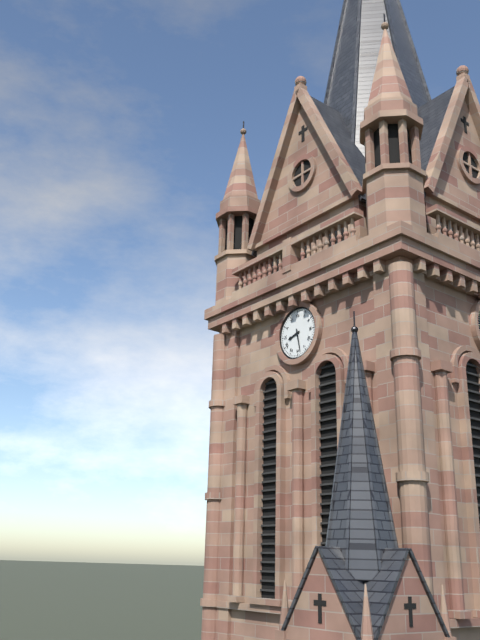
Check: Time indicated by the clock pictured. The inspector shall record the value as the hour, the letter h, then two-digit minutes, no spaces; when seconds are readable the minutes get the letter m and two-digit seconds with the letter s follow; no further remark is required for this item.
8h28
